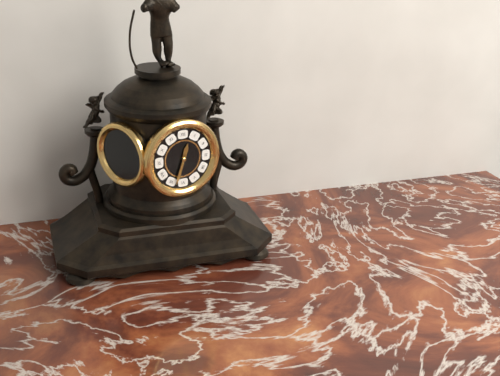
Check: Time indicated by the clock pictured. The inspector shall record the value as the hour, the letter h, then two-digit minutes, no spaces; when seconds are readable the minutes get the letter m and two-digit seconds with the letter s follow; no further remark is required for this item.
12h33
